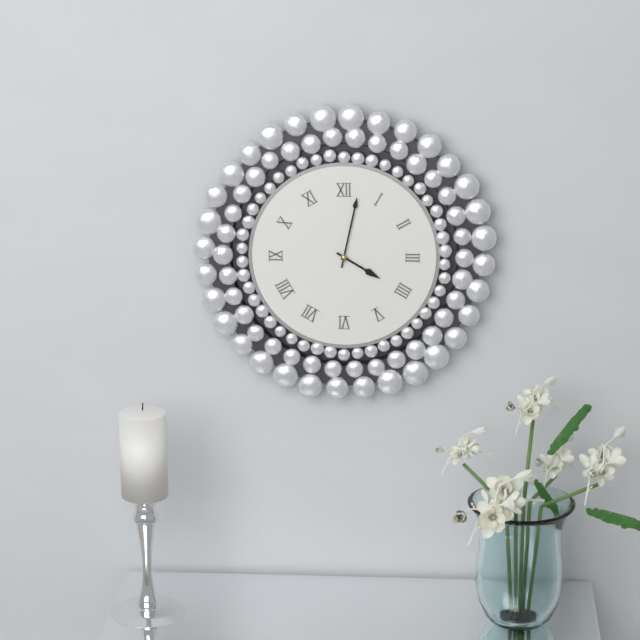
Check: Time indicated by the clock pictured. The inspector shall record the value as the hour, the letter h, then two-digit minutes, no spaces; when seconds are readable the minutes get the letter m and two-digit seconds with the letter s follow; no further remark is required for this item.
4h02
